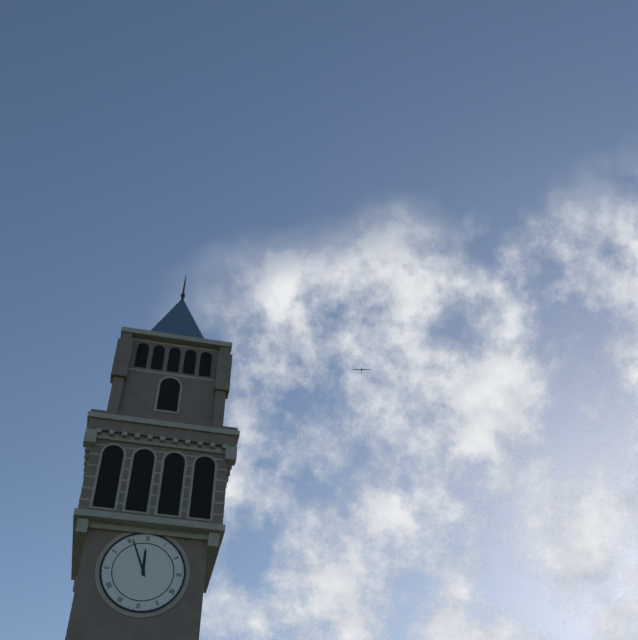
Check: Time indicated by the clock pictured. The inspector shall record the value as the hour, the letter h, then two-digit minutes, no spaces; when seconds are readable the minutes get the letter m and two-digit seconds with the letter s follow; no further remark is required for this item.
11h56
